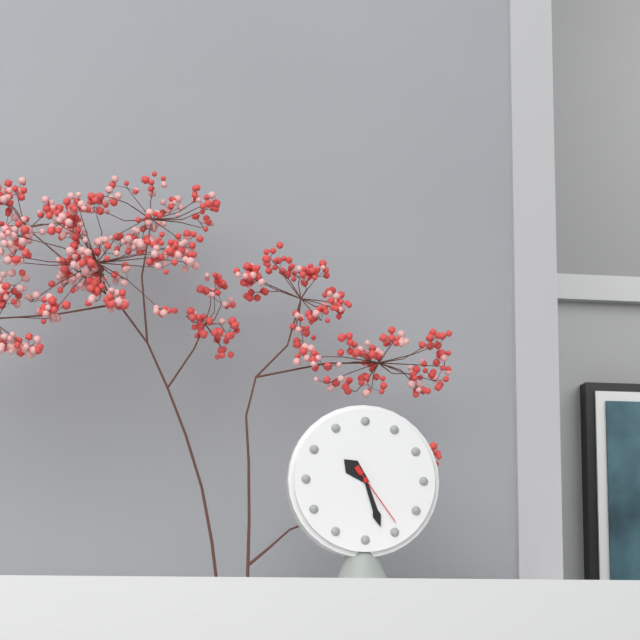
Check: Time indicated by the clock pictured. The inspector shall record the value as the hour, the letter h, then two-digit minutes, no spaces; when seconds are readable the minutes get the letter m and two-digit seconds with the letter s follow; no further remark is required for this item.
10h27m24s
